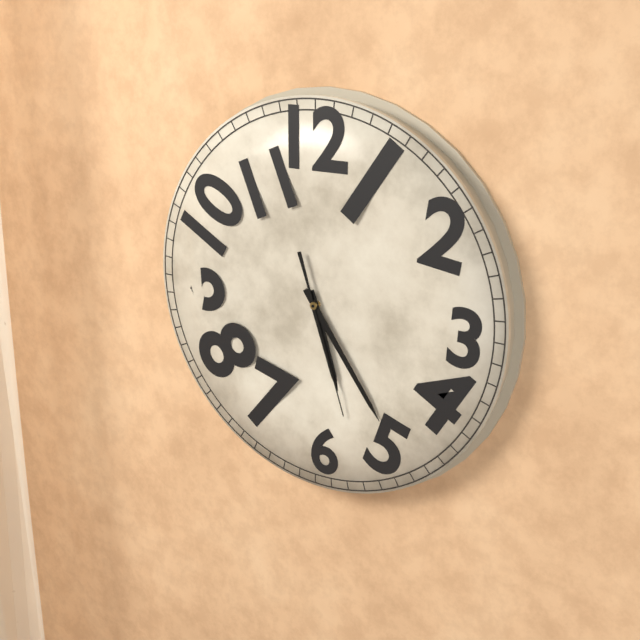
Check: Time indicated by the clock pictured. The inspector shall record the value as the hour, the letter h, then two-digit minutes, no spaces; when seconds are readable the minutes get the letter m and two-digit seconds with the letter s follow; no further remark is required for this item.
5h24m27s
